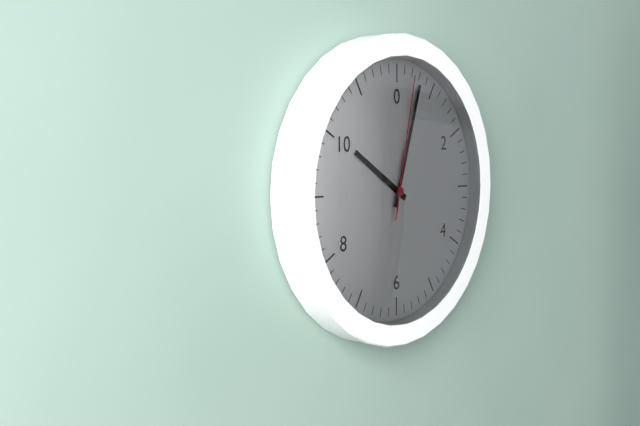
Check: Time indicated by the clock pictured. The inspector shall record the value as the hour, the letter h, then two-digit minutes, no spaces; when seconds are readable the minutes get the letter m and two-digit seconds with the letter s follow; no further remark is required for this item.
10h03m02s
